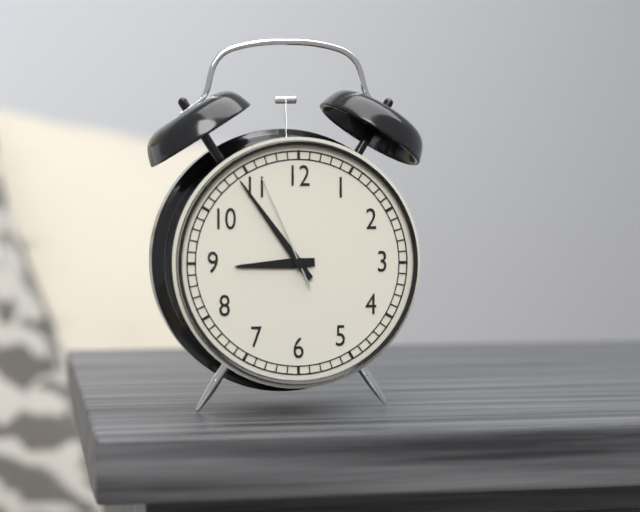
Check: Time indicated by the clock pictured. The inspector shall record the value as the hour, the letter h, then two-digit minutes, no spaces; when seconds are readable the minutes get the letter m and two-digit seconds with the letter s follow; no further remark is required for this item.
8h54m56s
